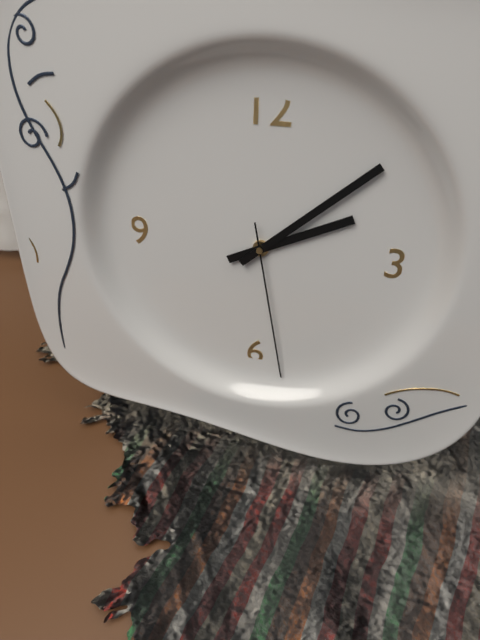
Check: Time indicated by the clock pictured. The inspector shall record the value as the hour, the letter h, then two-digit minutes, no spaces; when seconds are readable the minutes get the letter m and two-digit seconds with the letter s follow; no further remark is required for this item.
2h08m28s
